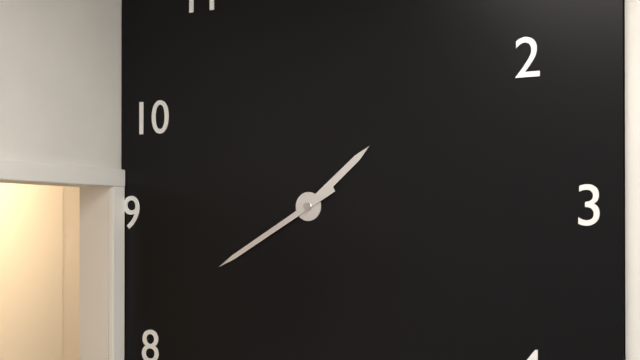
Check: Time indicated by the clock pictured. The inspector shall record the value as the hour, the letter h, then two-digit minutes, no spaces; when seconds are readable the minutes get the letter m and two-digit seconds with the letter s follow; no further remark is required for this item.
1h40
